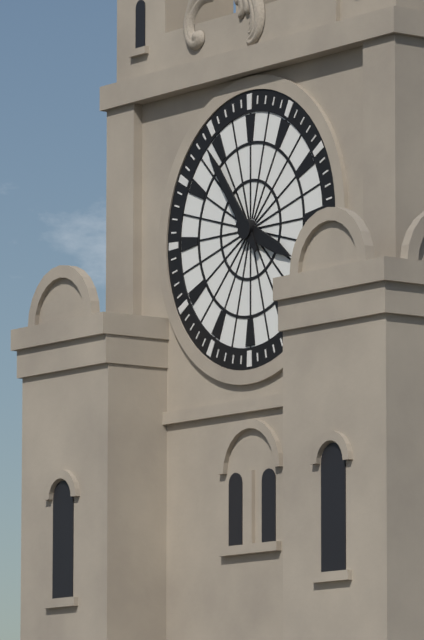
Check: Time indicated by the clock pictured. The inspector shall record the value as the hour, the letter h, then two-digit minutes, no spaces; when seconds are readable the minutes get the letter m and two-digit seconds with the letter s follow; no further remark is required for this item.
3h54
